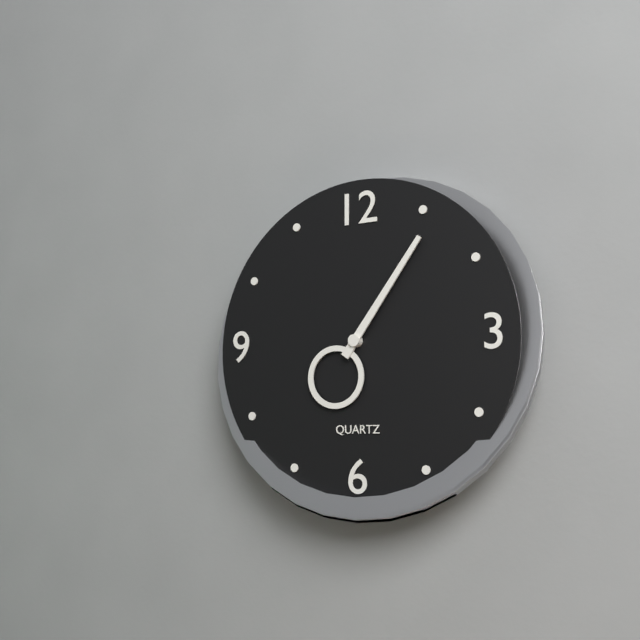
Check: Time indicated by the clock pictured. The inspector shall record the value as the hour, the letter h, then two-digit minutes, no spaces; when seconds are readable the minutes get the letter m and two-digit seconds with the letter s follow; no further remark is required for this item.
7h06
